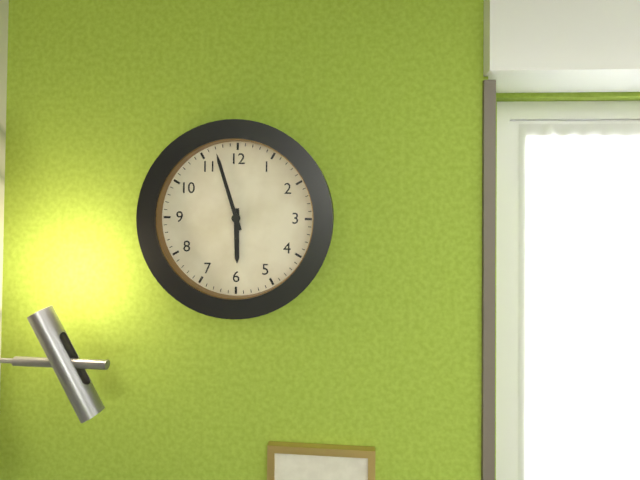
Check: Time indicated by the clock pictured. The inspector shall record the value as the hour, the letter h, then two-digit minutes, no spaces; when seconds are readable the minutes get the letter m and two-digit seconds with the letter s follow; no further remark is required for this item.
5h57
